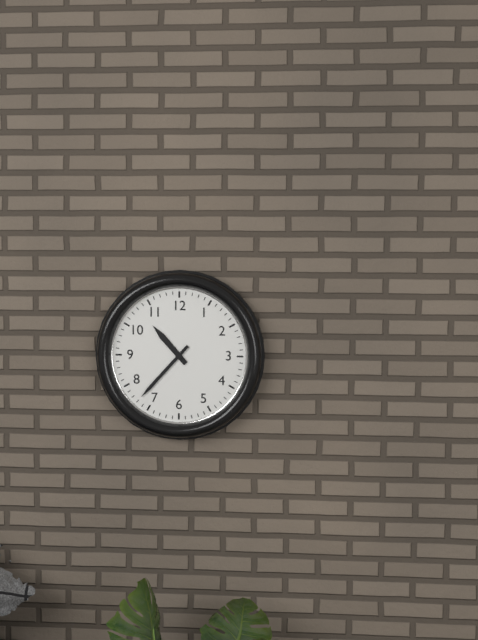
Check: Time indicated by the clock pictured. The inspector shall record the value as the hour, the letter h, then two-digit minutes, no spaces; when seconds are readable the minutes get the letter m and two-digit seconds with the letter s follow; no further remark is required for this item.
10h37
